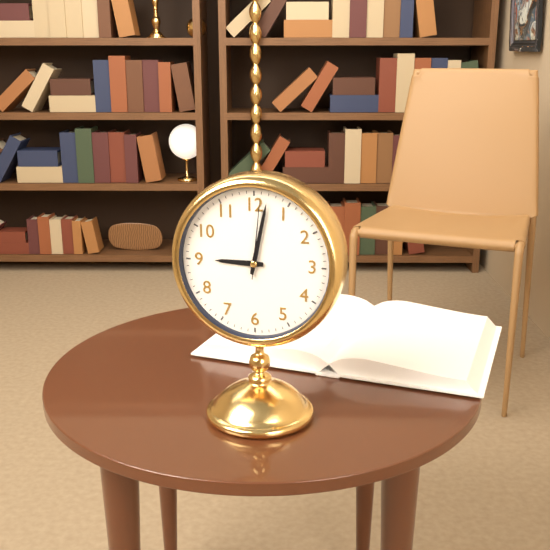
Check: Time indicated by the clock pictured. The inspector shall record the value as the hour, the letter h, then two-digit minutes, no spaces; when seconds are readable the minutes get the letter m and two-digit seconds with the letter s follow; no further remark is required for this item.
9h02m01s
